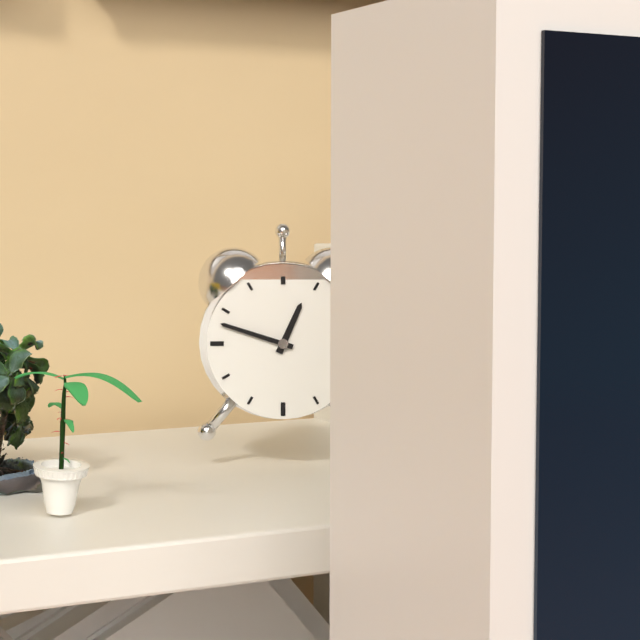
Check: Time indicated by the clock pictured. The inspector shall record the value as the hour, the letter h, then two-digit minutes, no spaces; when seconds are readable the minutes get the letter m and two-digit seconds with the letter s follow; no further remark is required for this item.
12h48
